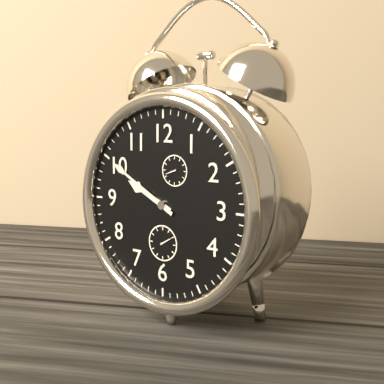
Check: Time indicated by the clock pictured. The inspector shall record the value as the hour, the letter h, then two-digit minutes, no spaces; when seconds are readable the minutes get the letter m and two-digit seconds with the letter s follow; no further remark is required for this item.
9h50
